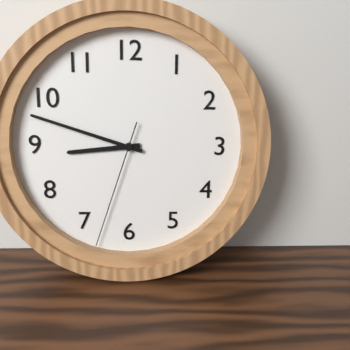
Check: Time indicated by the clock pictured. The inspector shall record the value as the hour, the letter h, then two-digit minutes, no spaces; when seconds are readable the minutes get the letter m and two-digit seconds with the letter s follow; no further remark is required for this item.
8h48m33s
